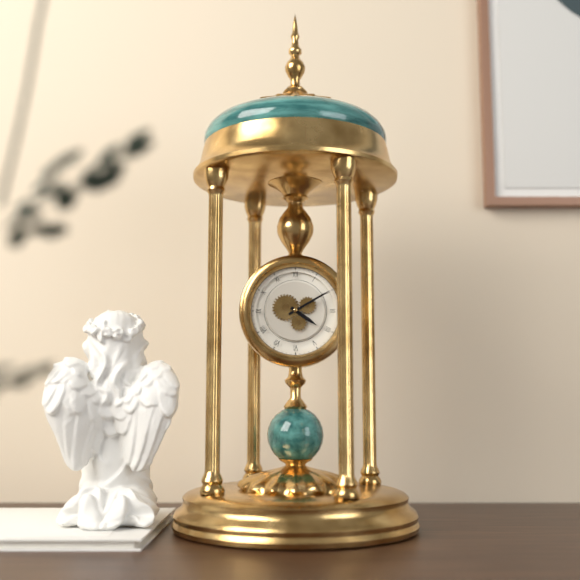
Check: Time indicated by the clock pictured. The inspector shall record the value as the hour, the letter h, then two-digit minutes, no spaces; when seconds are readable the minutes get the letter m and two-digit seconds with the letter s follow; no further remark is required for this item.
4h10
